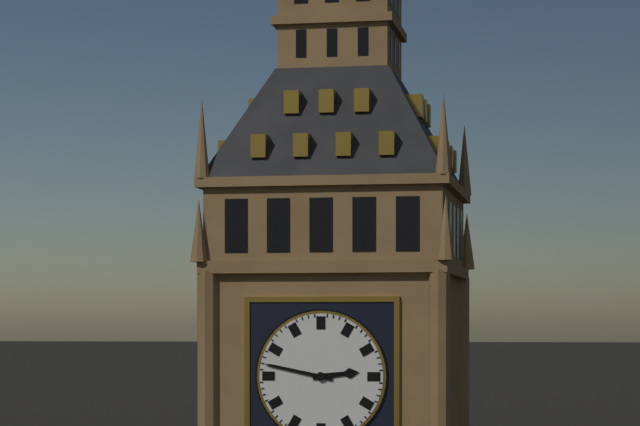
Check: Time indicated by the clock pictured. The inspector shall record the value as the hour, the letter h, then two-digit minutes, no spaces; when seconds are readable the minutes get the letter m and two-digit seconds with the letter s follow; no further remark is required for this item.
2h47
